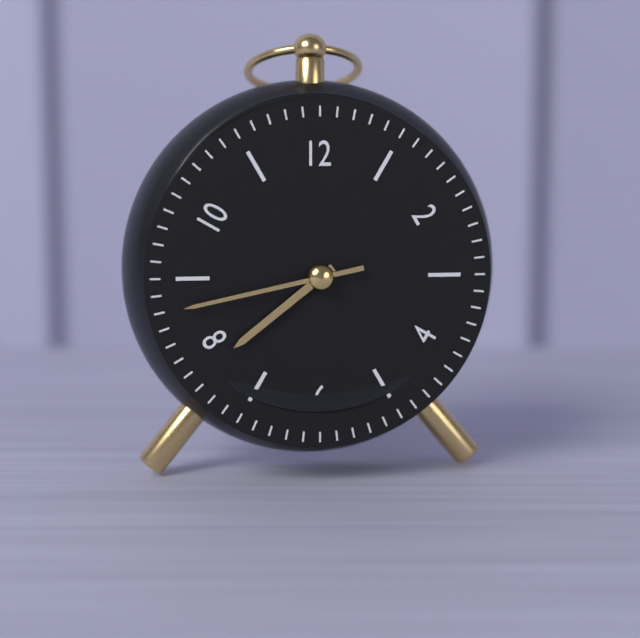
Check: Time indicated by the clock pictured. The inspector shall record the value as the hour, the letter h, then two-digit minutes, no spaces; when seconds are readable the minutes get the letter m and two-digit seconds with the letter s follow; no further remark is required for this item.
7h43
